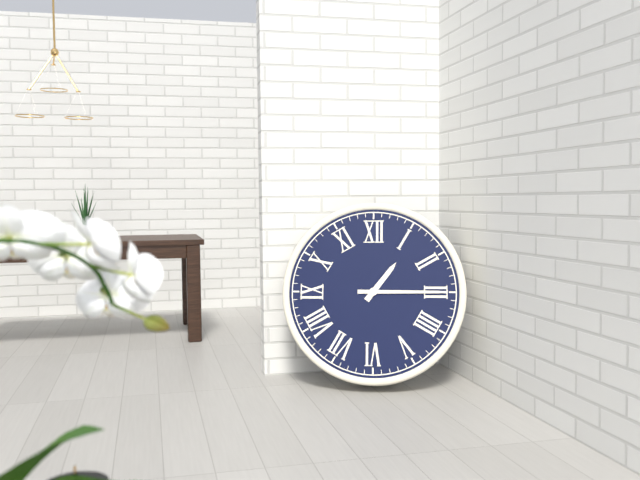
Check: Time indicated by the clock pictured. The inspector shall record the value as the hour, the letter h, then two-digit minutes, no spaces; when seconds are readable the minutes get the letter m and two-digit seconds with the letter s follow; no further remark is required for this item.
1h15
